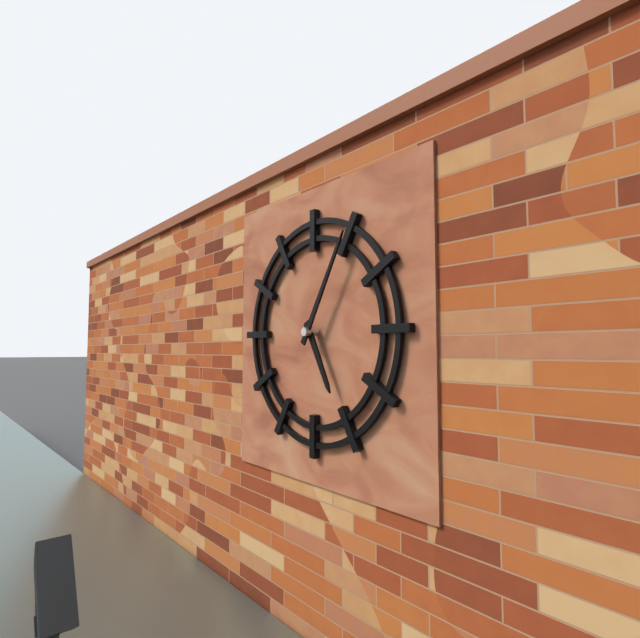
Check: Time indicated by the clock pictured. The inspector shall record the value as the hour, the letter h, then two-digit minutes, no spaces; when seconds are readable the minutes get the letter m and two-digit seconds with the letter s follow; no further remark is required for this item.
5h05
